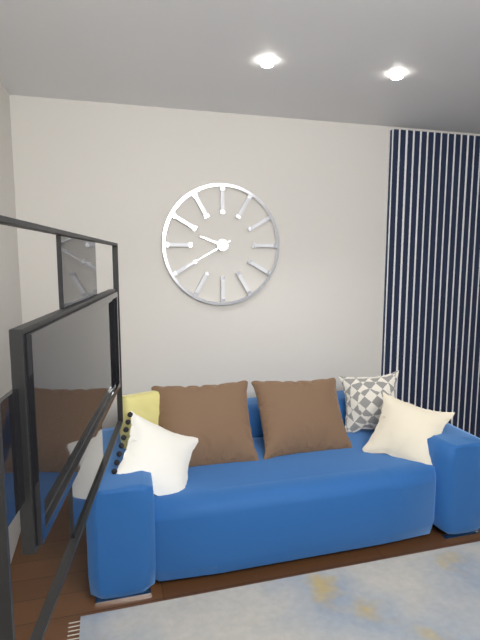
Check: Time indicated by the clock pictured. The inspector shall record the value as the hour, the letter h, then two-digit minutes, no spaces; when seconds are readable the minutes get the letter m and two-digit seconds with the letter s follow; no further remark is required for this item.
9h40
